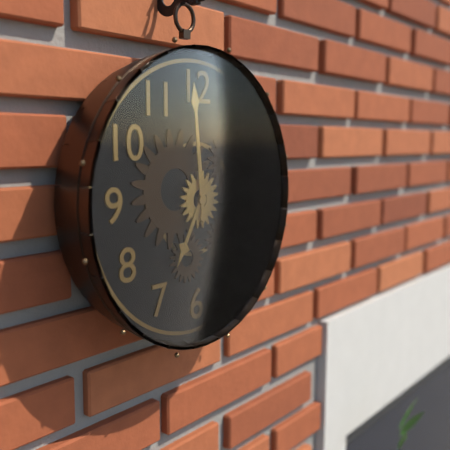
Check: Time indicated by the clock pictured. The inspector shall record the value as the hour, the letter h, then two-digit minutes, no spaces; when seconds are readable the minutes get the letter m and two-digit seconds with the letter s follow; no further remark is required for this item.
6h59
